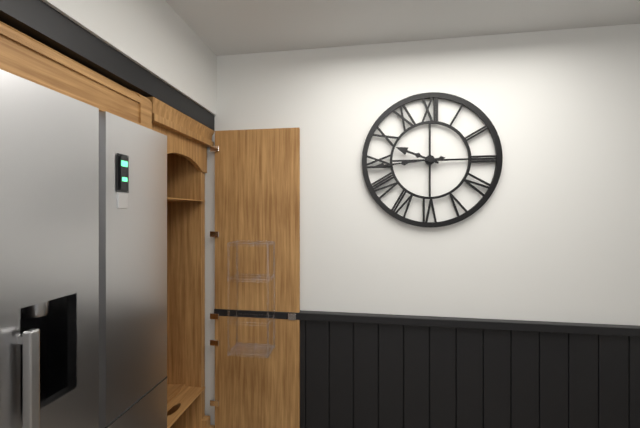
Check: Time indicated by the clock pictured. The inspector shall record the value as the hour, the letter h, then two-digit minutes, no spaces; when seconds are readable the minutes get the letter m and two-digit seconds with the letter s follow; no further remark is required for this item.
9h44
